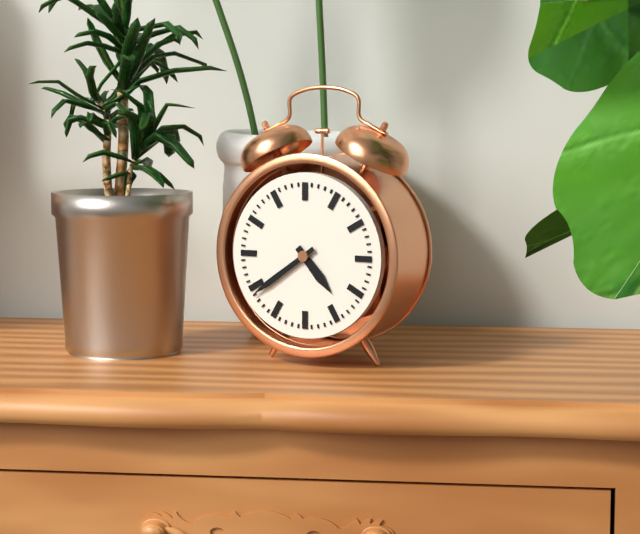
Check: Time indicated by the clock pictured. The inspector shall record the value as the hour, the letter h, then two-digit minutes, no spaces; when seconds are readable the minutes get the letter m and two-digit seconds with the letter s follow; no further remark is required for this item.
4h39
